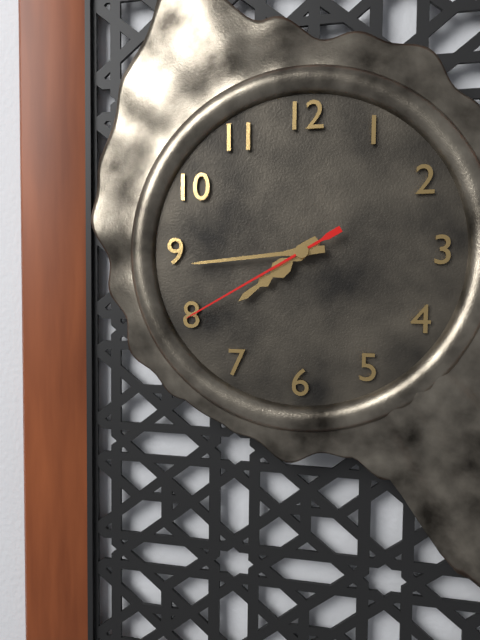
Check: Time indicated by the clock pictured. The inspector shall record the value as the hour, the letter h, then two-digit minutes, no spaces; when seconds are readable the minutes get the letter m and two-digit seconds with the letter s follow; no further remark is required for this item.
7h44m40s
